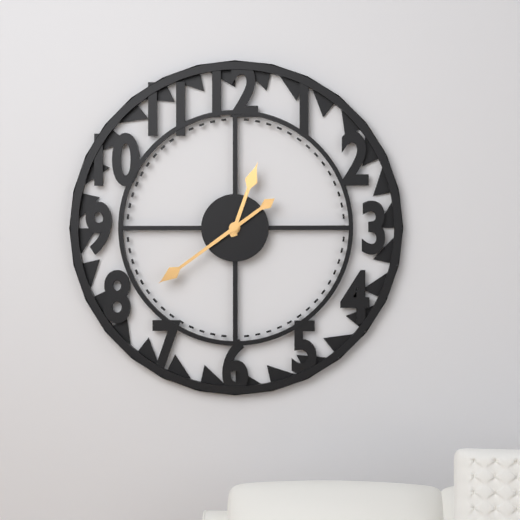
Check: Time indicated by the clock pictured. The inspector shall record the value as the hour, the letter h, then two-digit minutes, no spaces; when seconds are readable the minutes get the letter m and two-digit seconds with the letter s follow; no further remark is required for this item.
12h39
